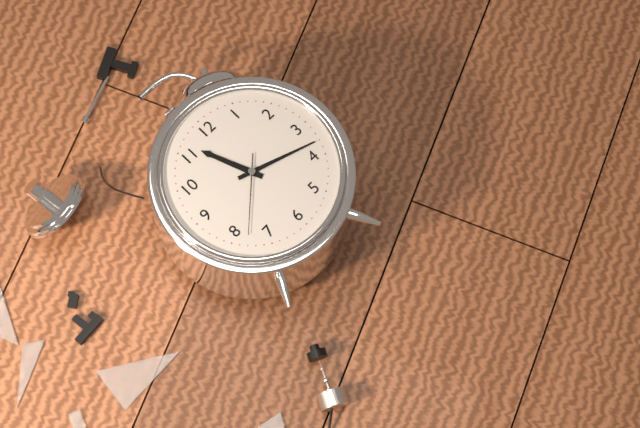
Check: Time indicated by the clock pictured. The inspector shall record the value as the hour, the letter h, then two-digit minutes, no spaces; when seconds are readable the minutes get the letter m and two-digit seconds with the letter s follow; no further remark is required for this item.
11h18m38s
